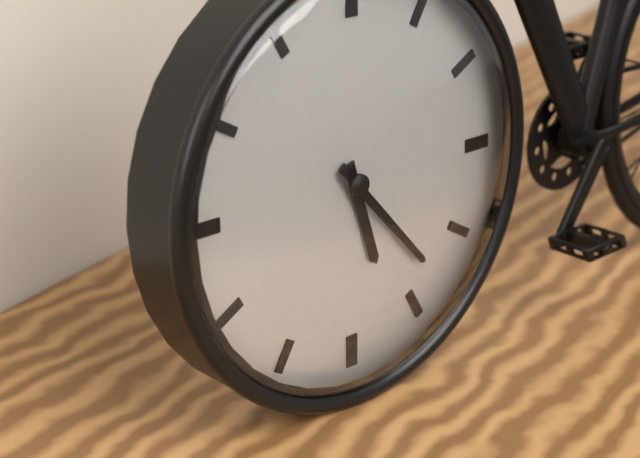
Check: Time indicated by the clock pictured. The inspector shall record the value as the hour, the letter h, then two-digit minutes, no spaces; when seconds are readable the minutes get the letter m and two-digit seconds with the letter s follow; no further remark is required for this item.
5h23
